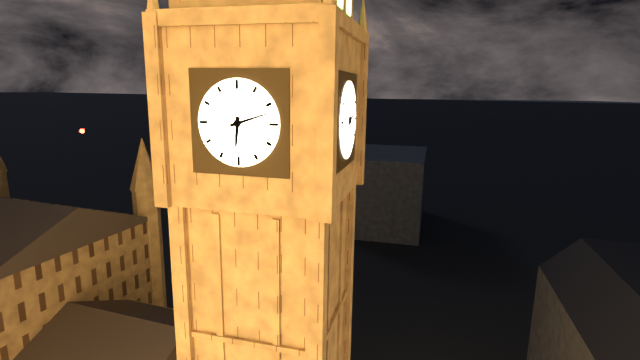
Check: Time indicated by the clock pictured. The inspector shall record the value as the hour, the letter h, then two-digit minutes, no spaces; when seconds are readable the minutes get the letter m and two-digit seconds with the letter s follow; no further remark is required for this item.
6h12
